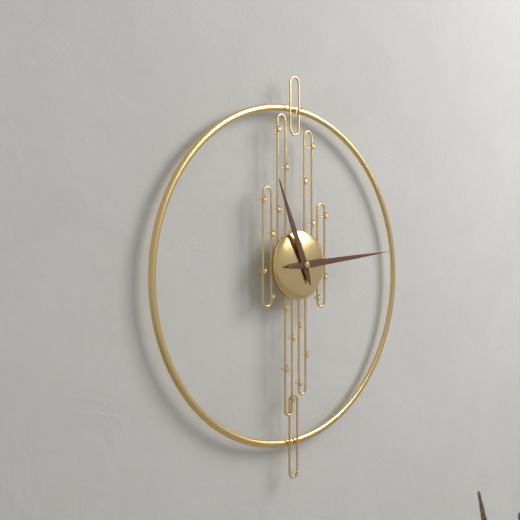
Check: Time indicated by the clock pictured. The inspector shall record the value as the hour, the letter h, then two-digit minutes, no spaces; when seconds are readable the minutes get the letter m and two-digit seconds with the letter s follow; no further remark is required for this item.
11h14
